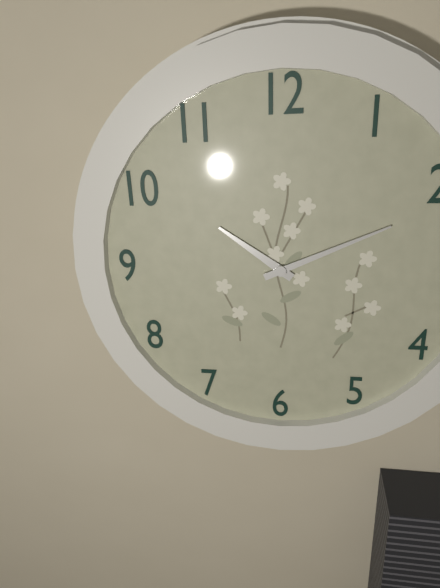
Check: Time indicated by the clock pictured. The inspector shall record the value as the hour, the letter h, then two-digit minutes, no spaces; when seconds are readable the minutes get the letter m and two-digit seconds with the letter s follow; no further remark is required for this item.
10h11
